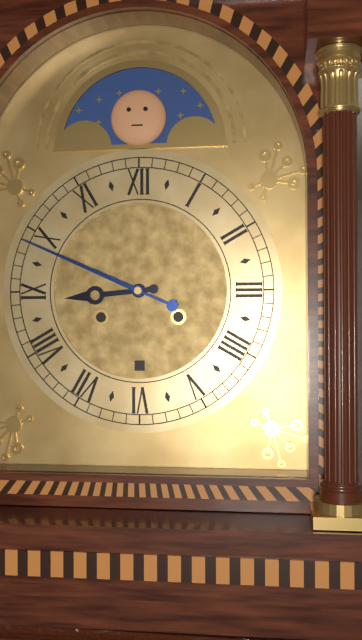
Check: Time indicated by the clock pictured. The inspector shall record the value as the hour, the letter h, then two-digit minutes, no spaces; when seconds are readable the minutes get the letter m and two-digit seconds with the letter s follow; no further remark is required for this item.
8h49
